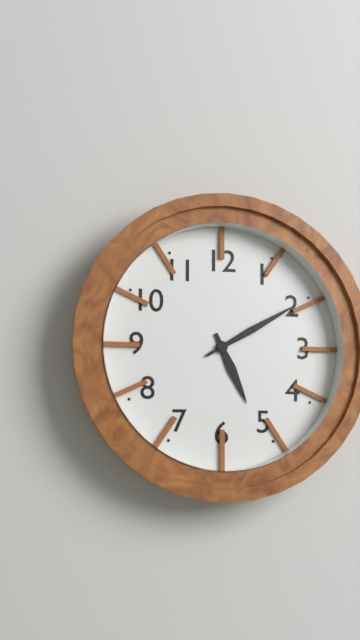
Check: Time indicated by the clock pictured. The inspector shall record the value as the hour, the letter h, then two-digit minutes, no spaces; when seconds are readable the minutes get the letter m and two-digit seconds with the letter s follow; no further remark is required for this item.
5h10
